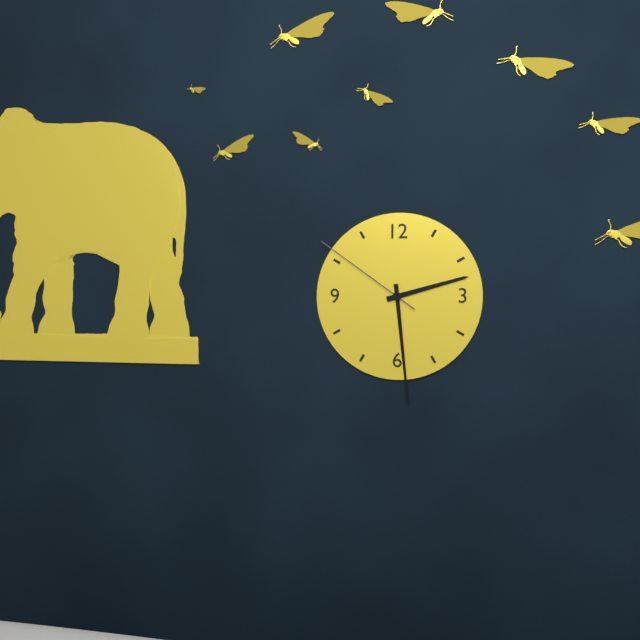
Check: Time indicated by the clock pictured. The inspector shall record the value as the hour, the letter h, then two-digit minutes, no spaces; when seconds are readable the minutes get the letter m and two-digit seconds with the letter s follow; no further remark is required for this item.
2h29m51s
